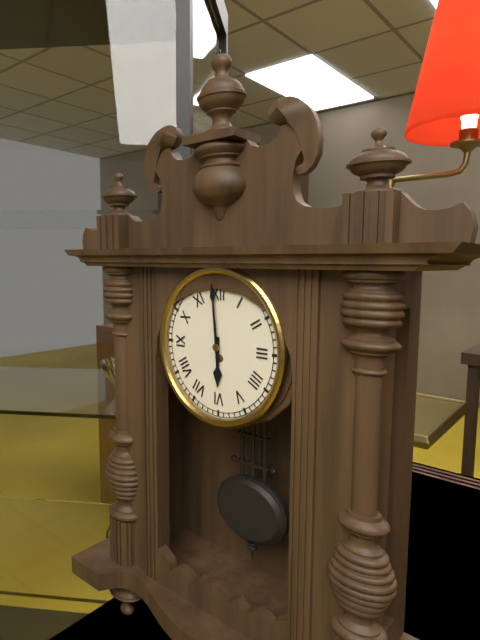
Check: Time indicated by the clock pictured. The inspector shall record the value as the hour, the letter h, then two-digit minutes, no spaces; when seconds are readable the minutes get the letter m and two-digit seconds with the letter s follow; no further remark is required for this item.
5h59
